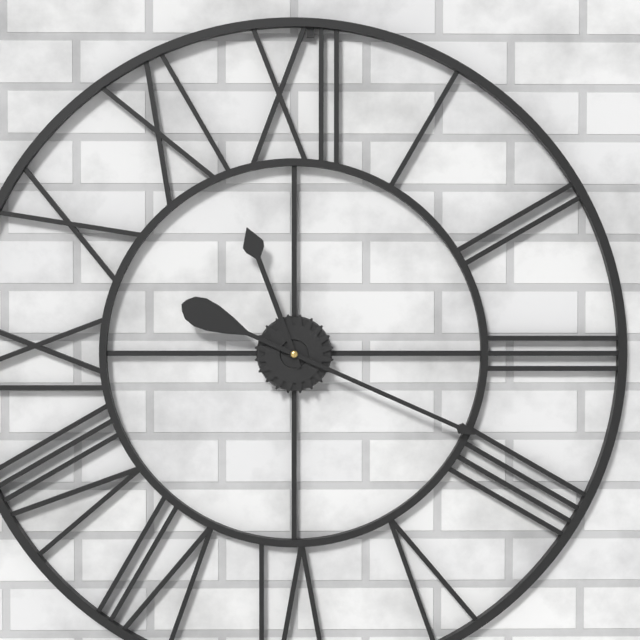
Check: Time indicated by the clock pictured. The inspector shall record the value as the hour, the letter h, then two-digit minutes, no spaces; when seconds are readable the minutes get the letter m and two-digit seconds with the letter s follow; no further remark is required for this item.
11h19
